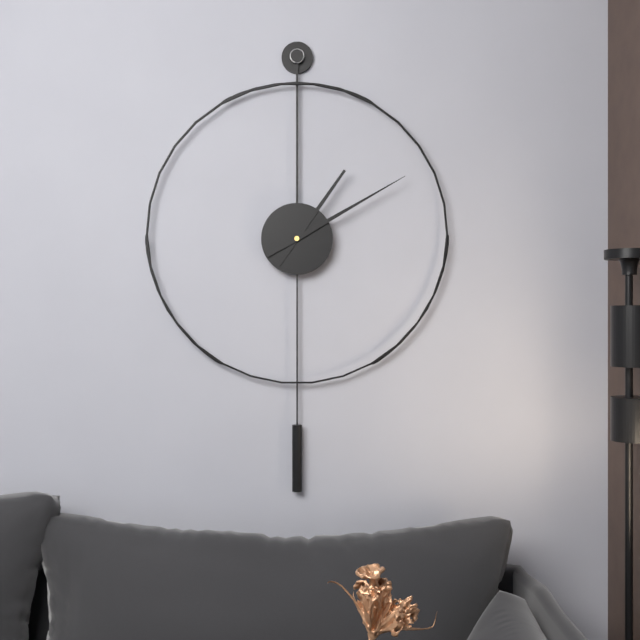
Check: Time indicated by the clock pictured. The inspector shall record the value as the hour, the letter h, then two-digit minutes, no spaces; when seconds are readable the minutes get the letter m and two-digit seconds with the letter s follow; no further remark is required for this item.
1h10
